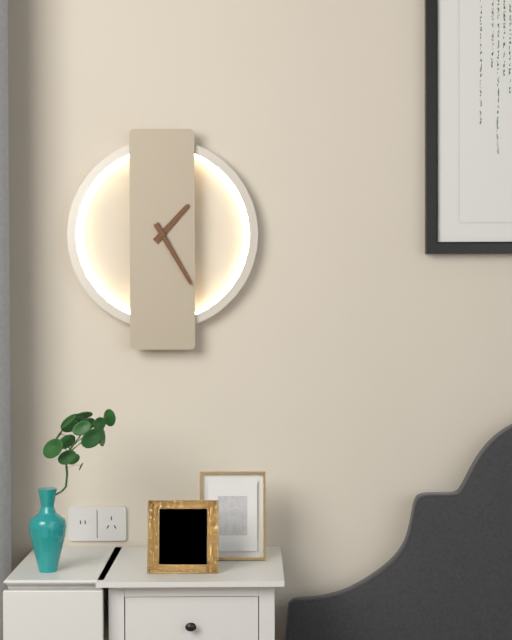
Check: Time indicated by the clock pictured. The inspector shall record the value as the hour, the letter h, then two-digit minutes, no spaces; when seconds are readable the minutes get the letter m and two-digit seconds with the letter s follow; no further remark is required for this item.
1h25
